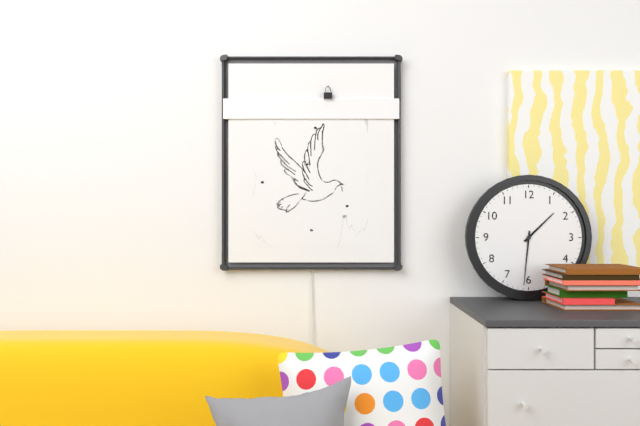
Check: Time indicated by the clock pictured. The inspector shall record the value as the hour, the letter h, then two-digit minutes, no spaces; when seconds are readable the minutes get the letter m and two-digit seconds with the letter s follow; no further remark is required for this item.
1h31
